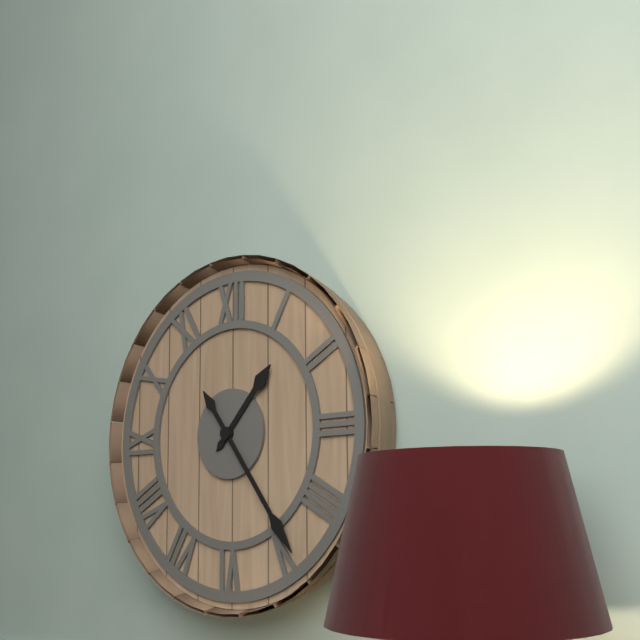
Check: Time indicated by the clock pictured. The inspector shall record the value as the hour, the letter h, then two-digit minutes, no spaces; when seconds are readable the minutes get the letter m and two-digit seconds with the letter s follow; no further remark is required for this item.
1h24
